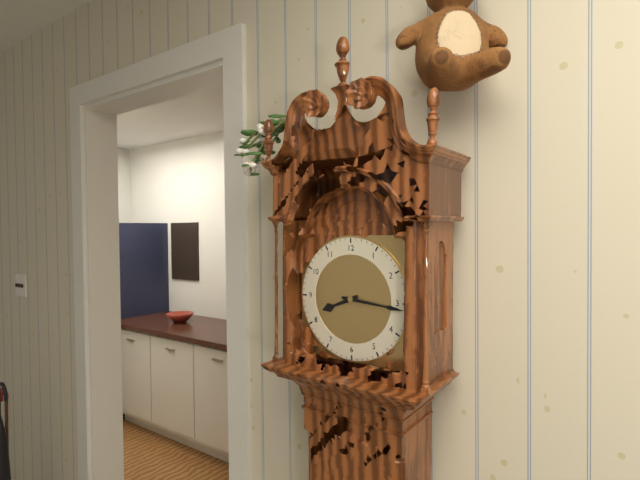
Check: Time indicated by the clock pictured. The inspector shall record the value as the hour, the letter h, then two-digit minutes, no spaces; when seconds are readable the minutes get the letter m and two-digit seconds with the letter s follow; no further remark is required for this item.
8h16
